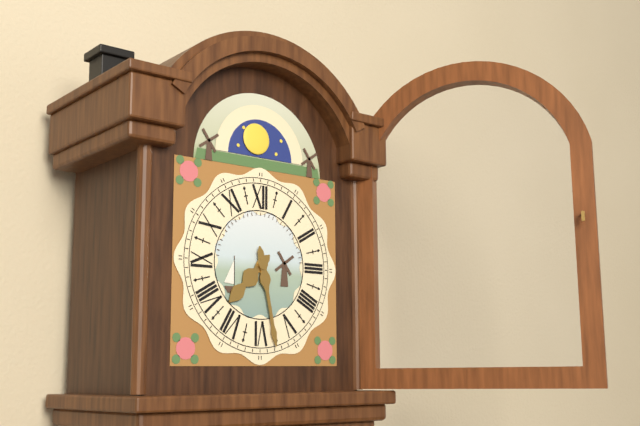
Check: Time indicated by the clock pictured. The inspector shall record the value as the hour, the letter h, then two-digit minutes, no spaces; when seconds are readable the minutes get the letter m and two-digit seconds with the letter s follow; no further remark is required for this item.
7h28
